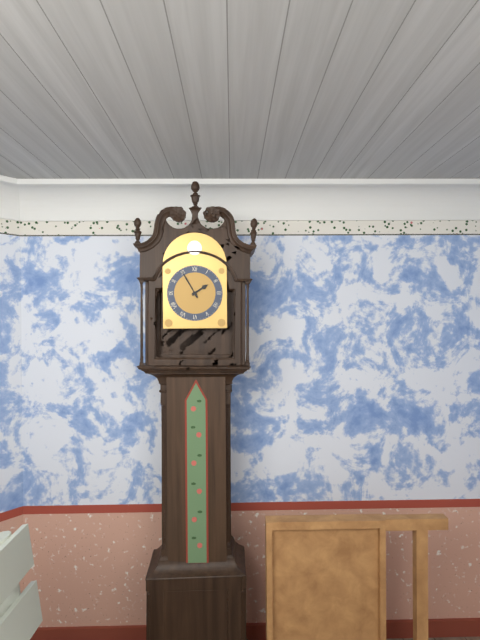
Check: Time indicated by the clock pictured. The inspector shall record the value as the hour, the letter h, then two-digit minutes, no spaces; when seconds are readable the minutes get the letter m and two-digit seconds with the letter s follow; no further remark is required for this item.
1h55
